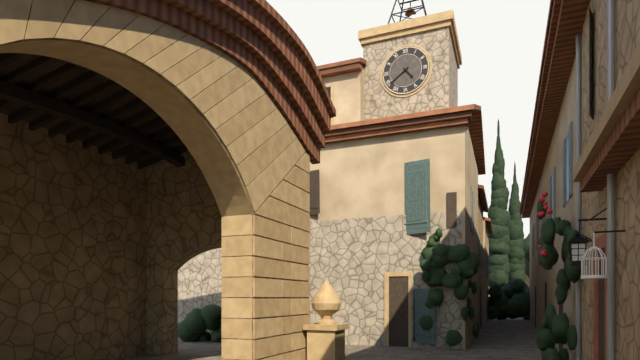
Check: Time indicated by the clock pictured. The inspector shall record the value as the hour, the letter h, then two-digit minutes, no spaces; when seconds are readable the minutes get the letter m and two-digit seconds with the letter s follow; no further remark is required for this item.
4h39
